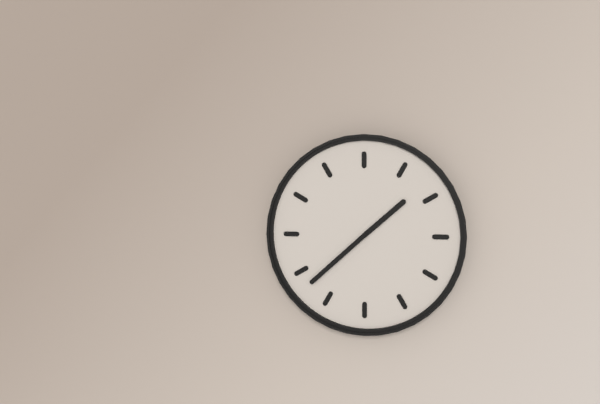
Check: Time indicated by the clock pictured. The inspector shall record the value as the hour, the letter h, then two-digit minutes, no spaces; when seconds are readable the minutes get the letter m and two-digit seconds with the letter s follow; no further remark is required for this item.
1h38
